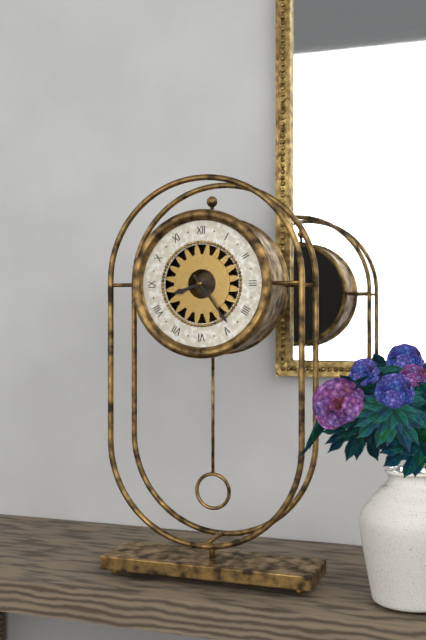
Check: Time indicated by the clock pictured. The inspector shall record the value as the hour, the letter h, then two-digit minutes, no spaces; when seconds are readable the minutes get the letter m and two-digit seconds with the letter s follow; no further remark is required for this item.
8h24
